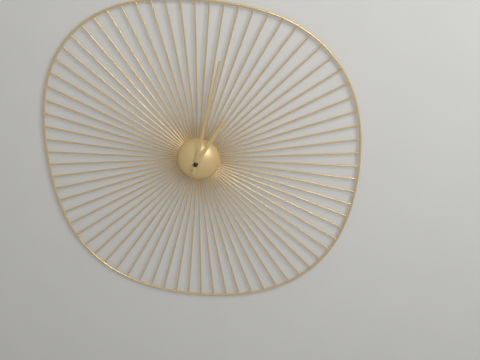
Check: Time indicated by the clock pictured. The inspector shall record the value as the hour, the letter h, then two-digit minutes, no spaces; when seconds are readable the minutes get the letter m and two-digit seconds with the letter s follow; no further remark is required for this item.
1h02
